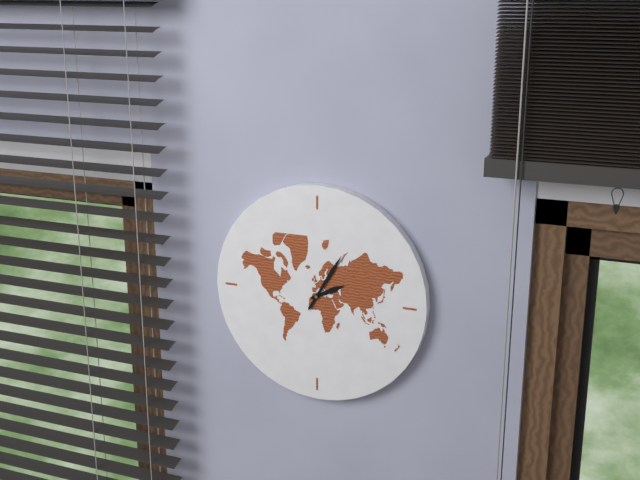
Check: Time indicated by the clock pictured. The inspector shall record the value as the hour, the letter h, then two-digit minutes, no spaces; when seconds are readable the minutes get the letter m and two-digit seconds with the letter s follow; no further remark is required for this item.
2h05
